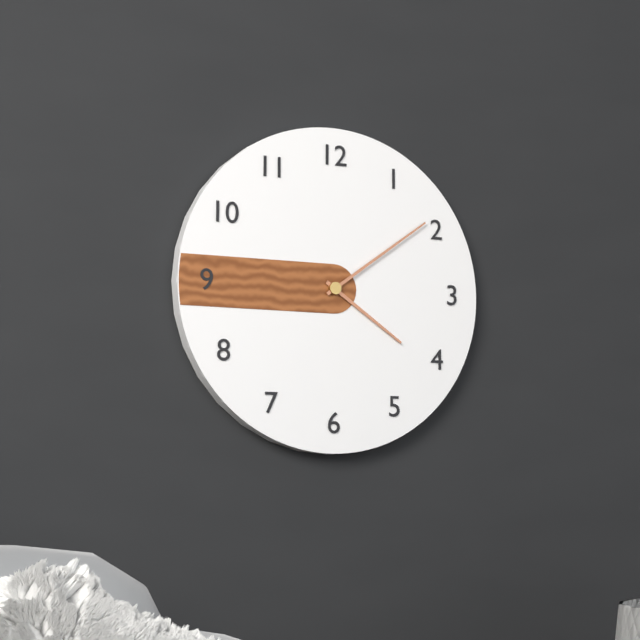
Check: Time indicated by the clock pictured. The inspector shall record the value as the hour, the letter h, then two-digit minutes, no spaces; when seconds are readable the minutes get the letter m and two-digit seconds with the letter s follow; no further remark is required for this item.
4h09
